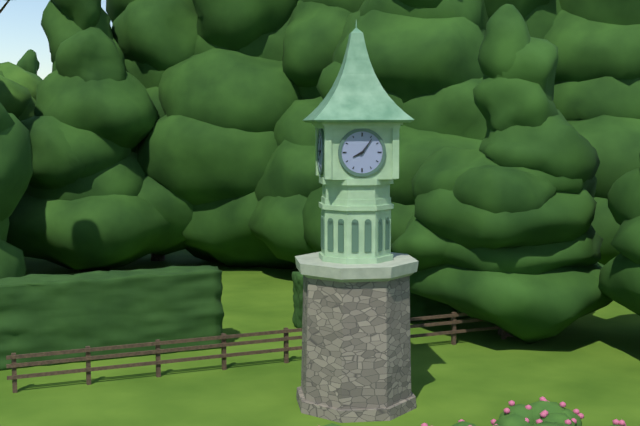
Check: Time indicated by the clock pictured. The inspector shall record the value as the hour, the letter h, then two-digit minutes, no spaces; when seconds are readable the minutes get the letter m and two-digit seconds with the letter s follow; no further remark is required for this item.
8h06
